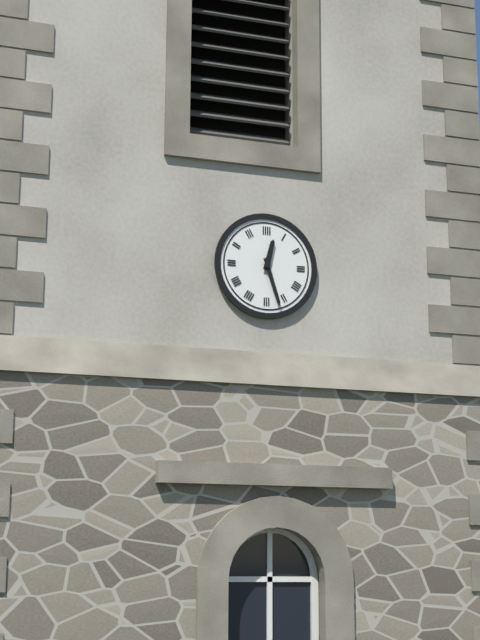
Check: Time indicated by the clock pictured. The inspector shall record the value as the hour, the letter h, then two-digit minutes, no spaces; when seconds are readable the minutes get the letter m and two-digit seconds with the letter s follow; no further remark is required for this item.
12h27
